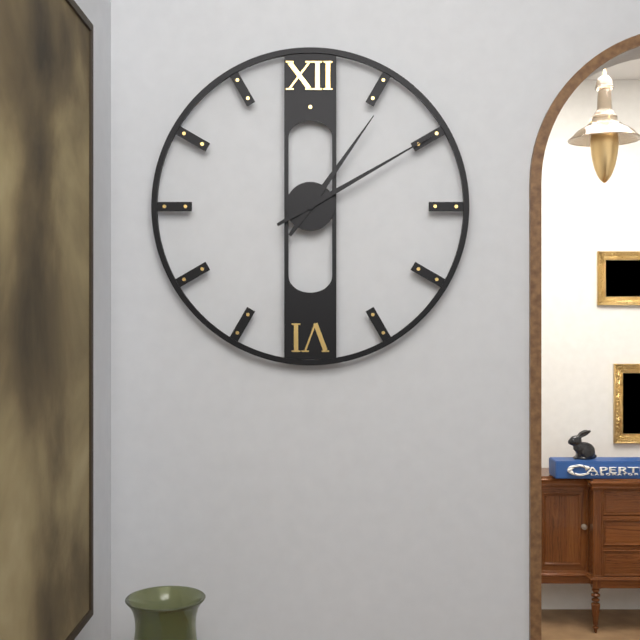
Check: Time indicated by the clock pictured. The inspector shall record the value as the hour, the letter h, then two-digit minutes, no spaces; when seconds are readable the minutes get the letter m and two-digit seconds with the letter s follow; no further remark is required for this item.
1h10
